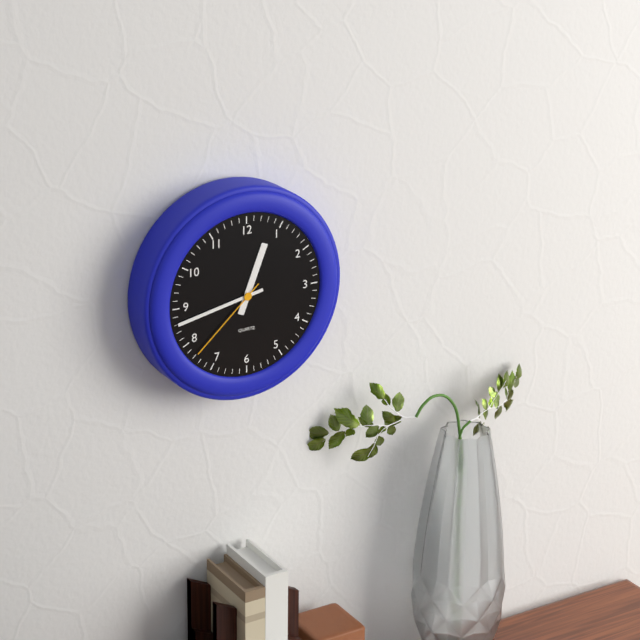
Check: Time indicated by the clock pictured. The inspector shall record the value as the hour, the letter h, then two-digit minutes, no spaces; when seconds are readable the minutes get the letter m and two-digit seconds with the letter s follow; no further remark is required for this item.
12h43m38s
